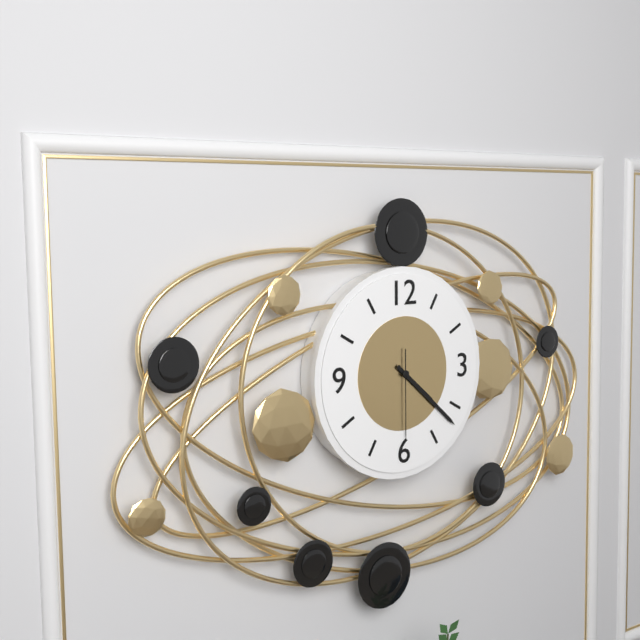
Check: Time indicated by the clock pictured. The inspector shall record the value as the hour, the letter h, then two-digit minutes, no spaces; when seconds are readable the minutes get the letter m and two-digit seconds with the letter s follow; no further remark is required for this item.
4h22m30s
